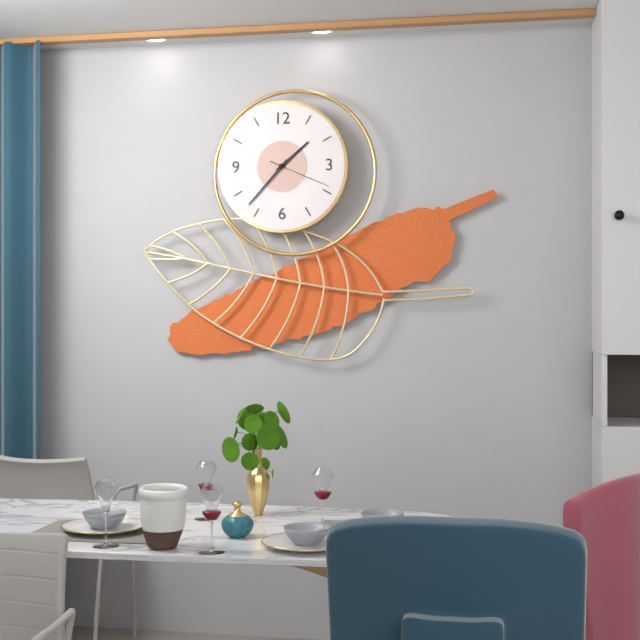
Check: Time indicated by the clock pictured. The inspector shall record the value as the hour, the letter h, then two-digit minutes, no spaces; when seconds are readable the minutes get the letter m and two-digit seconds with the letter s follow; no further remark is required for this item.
1h37m19s
